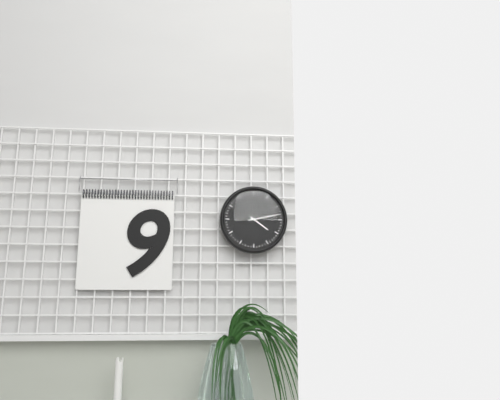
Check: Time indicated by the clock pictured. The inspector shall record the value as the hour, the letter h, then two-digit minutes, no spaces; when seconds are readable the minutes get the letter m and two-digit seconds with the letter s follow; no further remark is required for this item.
4h13
